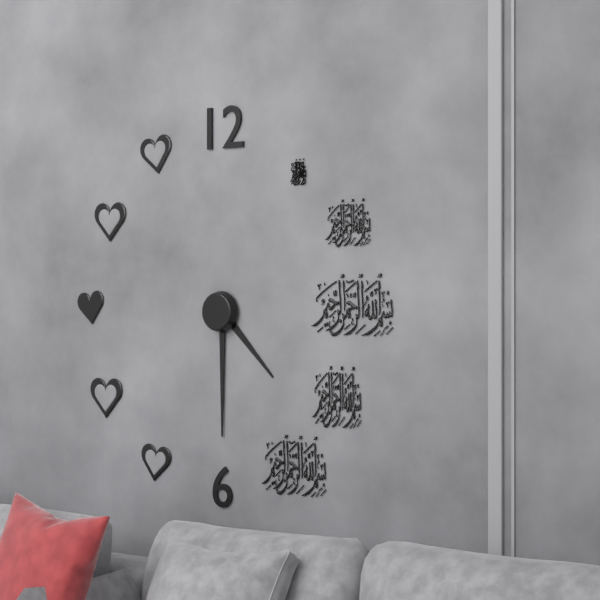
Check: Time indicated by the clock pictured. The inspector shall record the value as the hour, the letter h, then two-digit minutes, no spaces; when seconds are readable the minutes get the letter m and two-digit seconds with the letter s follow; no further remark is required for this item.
4h30
